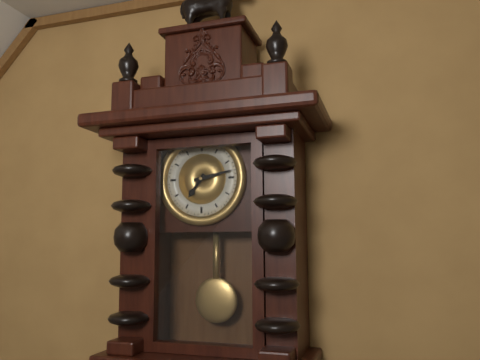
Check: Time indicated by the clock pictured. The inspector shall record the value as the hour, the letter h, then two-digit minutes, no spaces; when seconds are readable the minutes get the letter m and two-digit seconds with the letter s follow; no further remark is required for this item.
7h13
